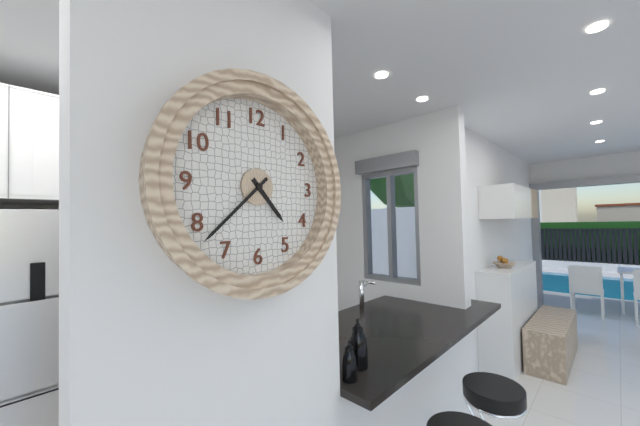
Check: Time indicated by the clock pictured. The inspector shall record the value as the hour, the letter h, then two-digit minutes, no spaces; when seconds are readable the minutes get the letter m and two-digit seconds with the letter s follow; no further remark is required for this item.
4h38
